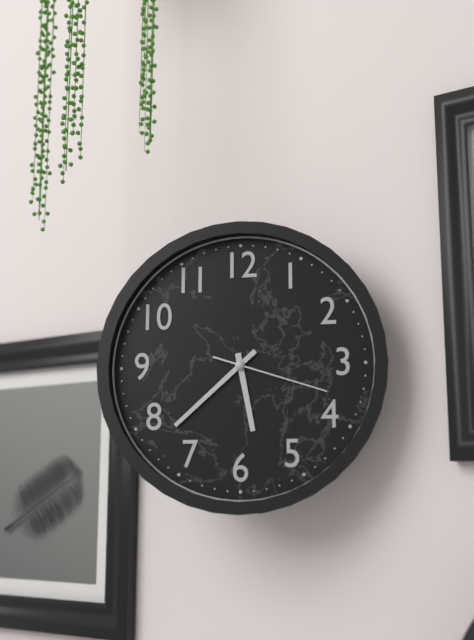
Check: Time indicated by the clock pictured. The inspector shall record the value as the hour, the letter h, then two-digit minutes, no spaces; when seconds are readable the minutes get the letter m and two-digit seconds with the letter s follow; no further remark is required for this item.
5h38m18s
